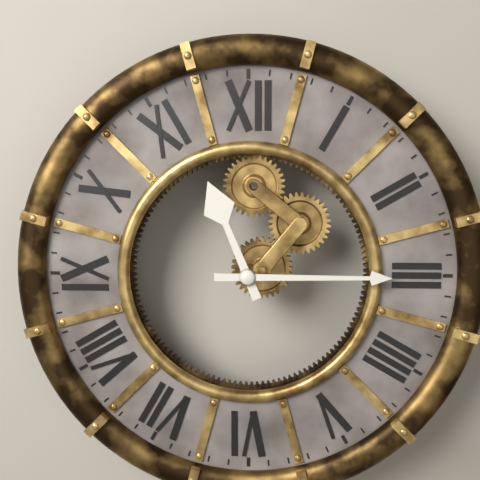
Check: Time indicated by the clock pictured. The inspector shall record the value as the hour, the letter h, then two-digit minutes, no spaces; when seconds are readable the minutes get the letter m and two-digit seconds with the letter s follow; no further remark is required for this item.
11h15
